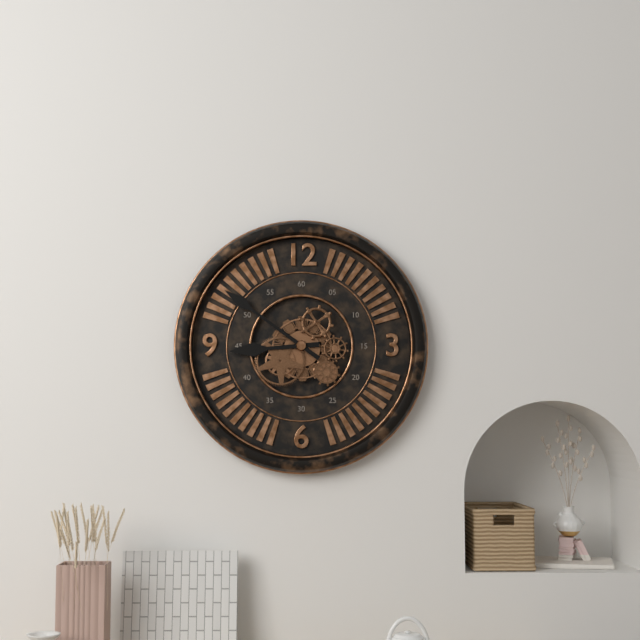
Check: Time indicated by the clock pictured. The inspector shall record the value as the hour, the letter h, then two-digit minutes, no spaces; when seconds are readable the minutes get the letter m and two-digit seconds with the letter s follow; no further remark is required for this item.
8h51
